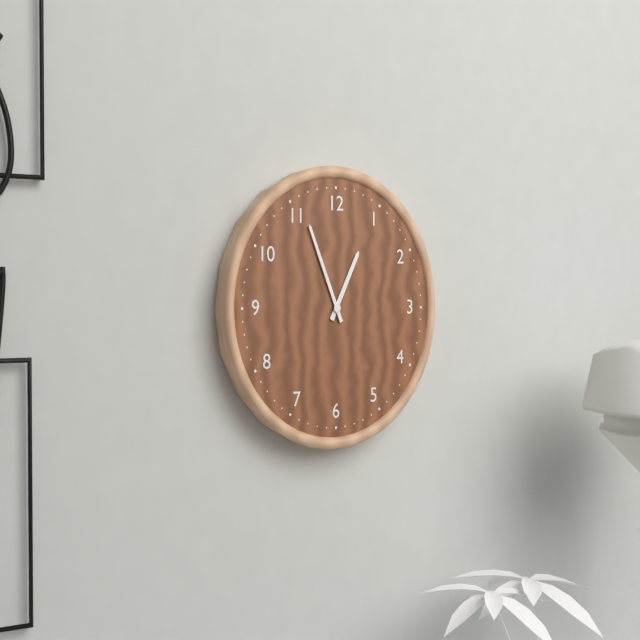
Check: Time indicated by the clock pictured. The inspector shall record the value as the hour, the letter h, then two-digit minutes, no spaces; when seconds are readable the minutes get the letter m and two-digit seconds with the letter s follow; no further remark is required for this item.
12h56
